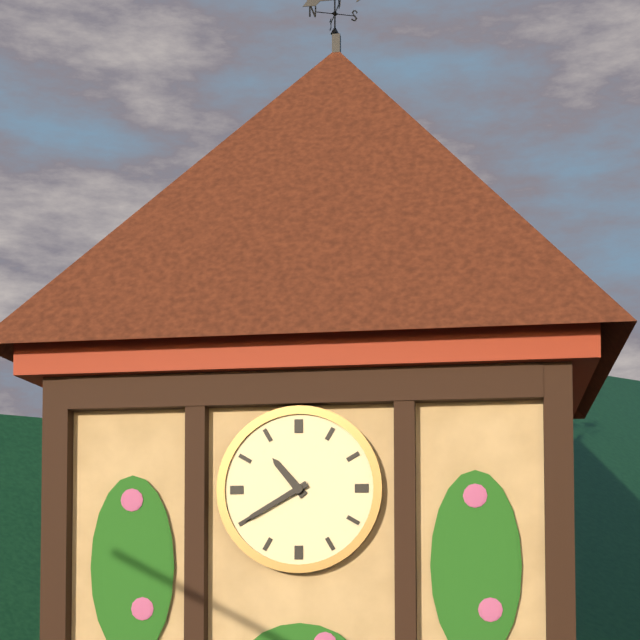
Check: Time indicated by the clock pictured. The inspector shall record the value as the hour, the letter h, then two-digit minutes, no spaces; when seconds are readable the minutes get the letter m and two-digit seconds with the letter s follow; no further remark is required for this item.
10h40
